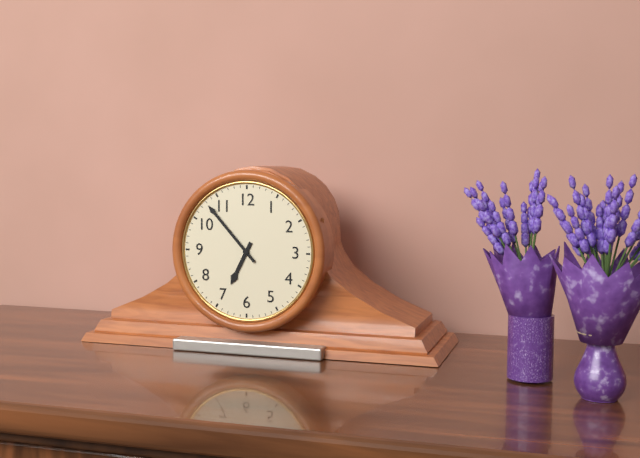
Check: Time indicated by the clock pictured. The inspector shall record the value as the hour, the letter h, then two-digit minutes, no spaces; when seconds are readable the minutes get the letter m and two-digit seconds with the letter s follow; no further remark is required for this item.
6h53
